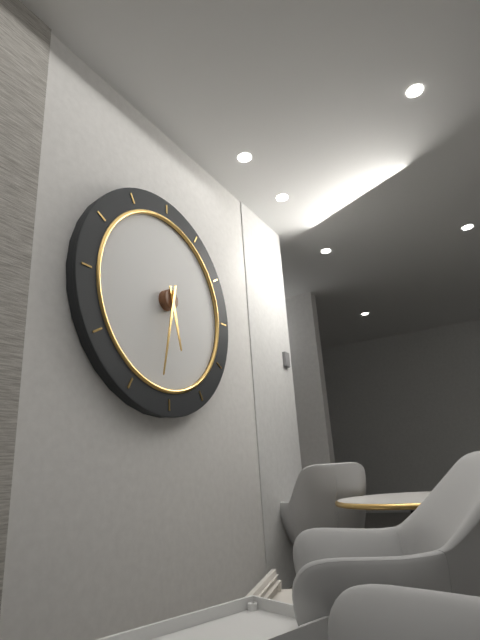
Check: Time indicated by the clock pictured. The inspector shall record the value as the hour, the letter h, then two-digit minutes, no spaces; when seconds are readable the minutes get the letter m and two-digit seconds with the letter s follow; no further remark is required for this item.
5h32
